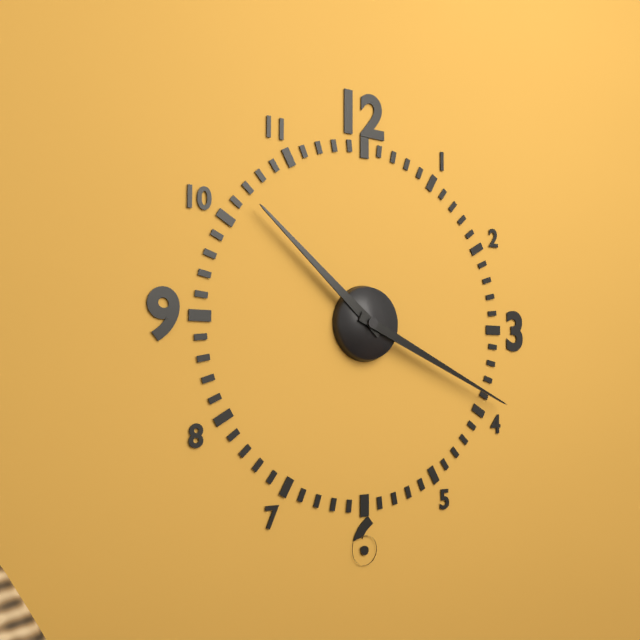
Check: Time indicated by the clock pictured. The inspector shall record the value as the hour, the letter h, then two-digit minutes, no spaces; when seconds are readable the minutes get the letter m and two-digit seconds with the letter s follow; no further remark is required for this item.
10h19
